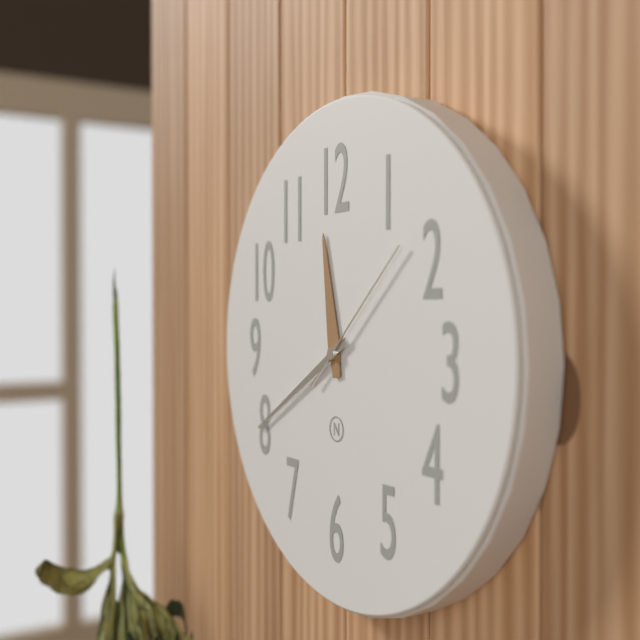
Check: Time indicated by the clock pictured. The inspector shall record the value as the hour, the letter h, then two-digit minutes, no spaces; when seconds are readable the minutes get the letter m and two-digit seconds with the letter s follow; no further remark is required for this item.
11h40m08s
